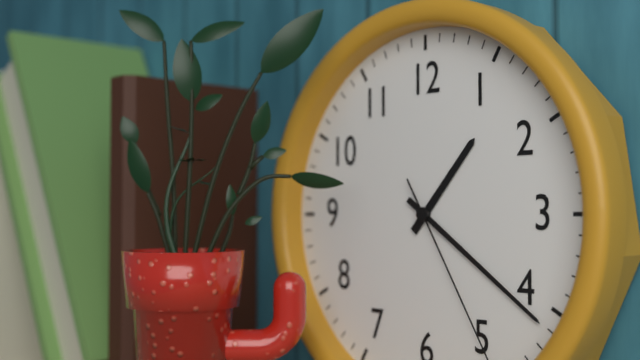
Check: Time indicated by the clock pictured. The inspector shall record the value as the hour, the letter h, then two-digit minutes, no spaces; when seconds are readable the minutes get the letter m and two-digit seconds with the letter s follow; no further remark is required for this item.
1h21
